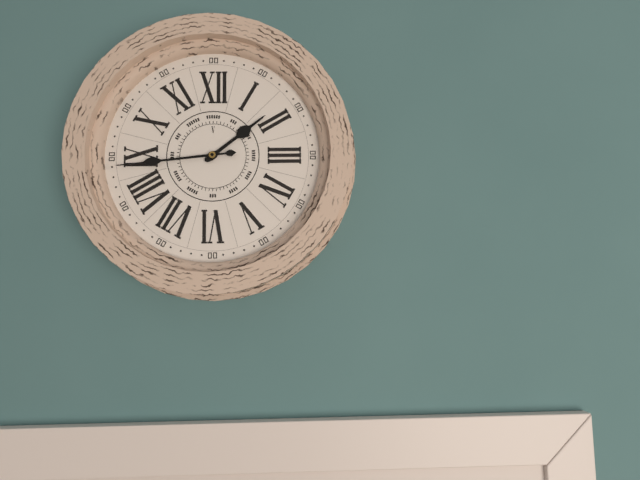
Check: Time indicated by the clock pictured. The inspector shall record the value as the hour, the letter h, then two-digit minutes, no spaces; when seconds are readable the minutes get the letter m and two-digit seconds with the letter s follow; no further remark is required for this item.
1h44
